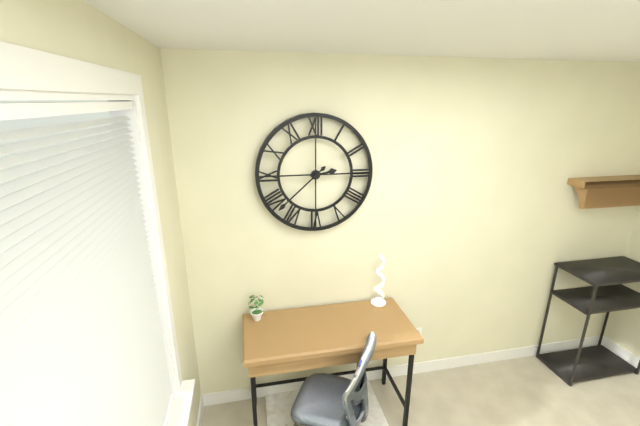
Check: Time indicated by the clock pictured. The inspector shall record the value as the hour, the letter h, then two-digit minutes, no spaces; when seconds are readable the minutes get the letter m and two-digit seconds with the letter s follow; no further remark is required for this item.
2h38
